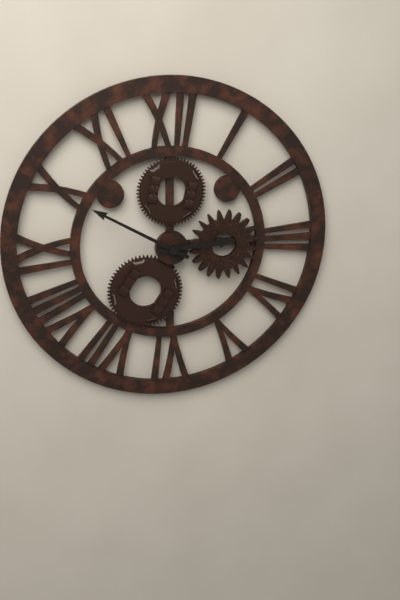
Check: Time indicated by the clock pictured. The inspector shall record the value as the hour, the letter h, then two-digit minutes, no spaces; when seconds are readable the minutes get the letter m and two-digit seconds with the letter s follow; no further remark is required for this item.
2h50
